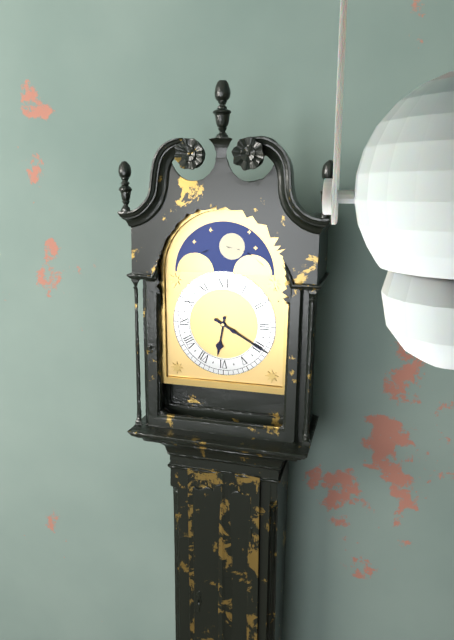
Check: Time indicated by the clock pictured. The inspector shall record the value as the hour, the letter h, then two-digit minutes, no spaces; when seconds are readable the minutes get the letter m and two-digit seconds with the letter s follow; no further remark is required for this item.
6h20
